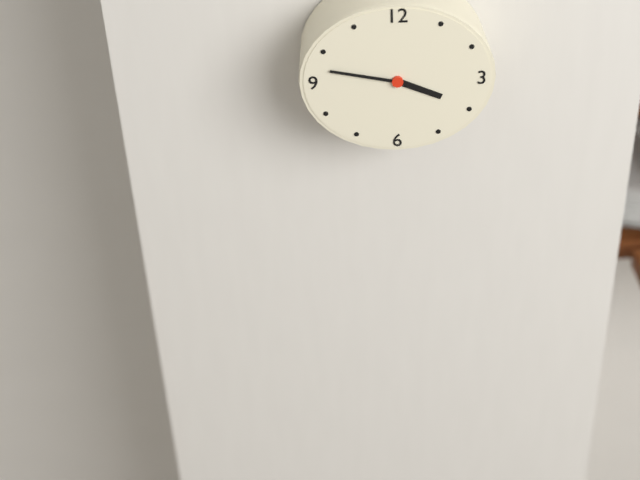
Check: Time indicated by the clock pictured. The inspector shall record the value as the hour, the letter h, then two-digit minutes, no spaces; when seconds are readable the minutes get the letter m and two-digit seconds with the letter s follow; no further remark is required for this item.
3h47
